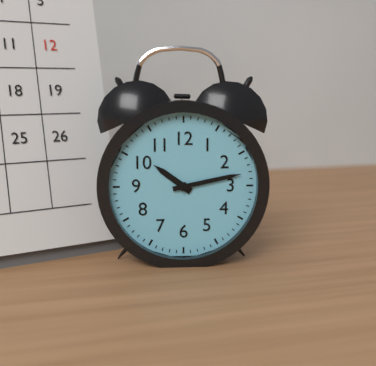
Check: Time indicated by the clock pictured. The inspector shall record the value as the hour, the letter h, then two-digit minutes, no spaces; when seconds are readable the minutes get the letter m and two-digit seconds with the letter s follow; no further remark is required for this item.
10h13
